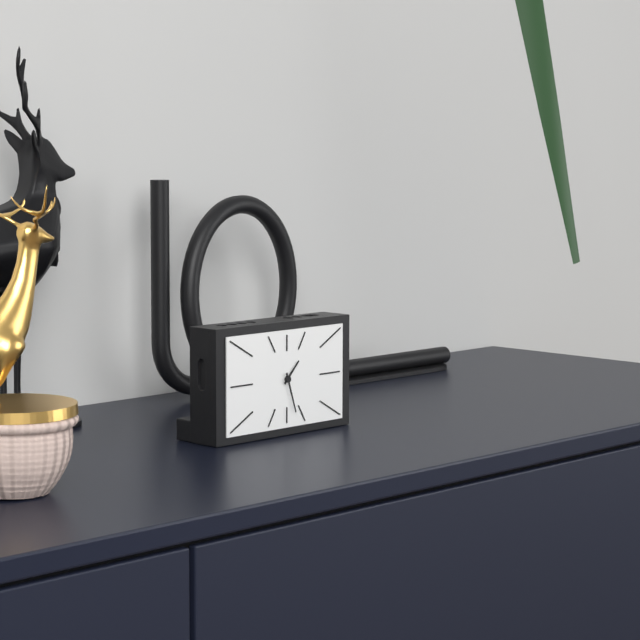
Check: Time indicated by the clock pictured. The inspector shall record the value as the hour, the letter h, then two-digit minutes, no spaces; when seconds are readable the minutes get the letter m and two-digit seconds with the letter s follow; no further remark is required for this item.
1h27
